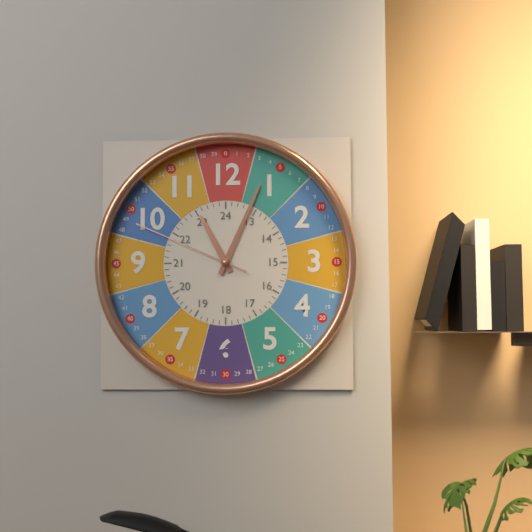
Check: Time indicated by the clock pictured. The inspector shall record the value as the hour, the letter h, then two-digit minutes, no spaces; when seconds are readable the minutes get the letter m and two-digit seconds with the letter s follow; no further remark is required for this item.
11h04m49s
